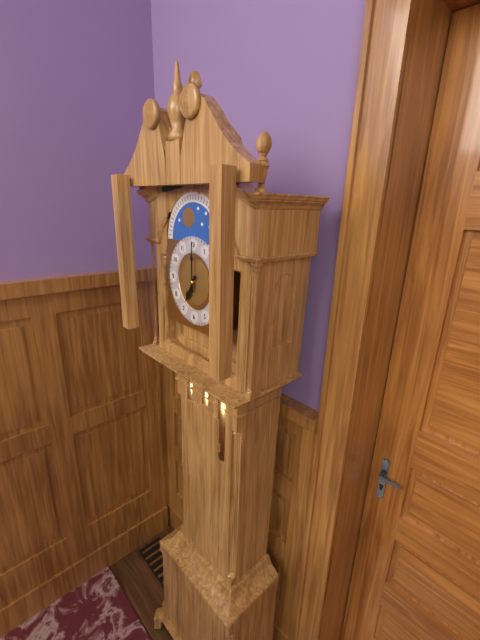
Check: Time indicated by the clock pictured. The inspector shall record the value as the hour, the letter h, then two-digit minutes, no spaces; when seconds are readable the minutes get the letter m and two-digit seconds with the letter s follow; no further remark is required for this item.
7h00
